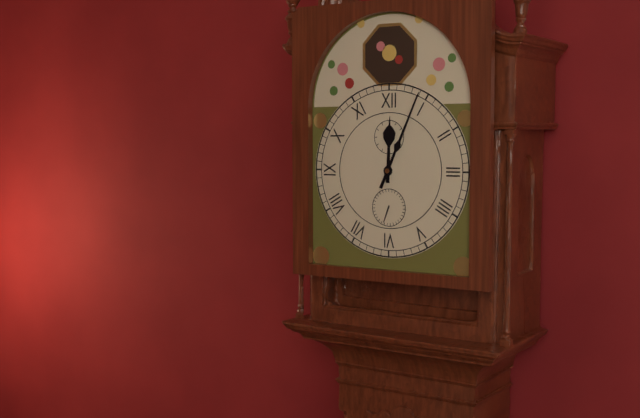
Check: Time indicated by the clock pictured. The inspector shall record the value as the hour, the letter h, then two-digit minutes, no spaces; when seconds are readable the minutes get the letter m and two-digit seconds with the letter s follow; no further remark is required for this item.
12h04
